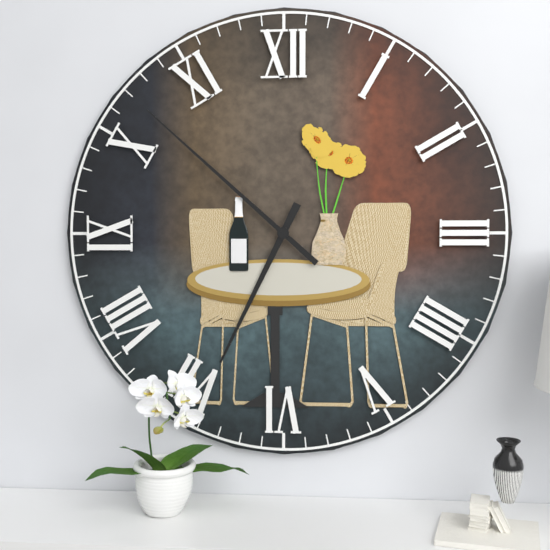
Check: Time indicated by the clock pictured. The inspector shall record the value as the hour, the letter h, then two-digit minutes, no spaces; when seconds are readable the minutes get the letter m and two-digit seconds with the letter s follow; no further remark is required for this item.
6h52
